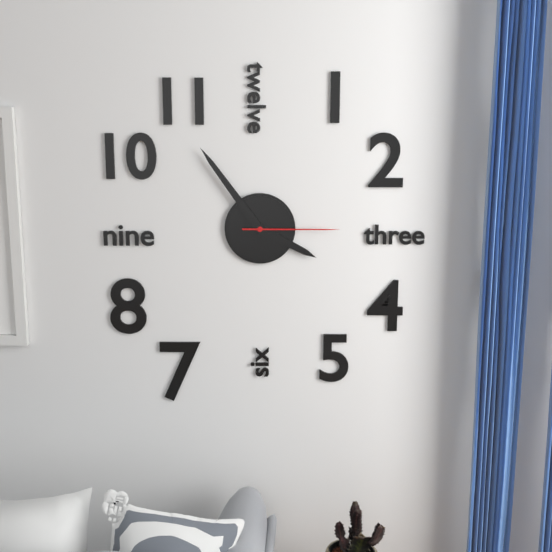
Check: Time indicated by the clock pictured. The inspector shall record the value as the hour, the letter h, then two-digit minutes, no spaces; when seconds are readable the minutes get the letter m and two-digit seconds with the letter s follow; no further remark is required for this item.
3h54m15s
